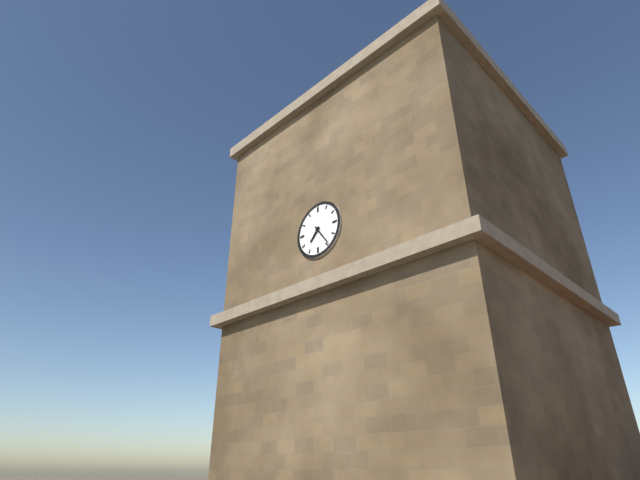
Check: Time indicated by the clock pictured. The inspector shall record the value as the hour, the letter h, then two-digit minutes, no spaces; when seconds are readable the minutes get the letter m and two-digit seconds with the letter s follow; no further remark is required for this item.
7h24
